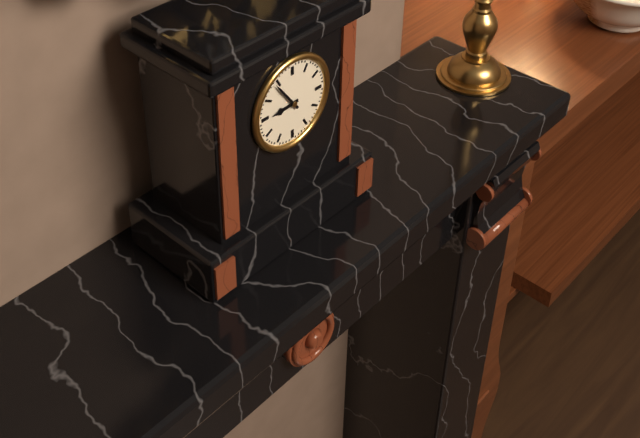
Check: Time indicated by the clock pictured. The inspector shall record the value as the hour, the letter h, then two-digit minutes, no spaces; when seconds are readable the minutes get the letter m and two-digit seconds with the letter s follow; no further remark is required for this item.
8h54
